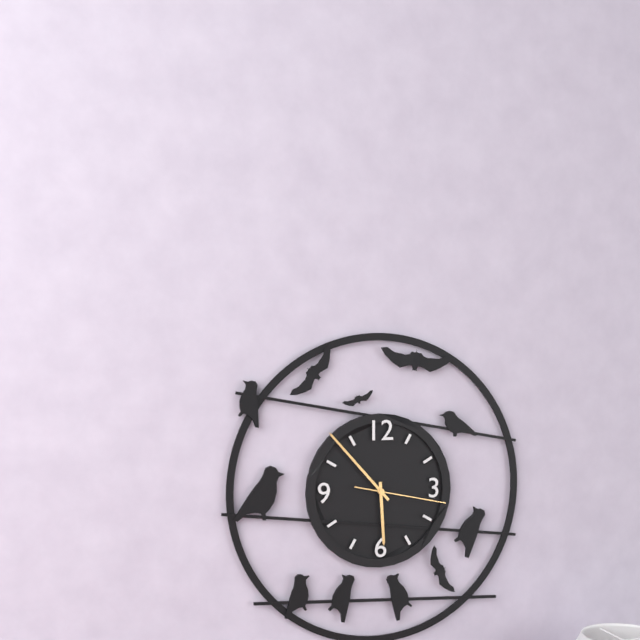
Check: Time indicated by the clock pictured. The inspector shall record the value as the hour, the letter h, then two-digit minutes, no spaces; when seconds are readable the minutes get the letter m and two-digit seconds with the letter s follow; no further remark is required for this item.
5h53m17s
